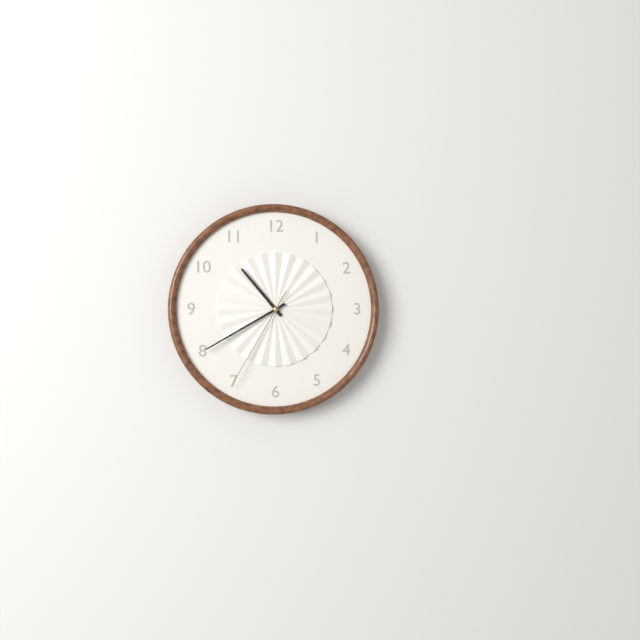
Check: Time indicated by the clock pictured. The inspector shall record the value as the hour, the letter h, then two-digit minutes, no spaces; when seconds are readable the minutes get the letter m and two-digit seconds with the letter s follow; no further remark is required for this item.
10h40m35s
